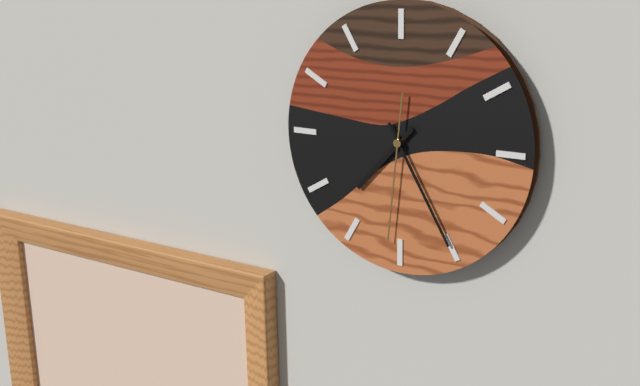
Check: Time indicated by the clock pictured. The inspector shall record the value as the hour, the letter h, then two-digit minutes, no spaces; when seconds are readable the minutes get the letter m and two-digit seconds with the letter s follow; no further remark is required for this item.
7h25m31s
